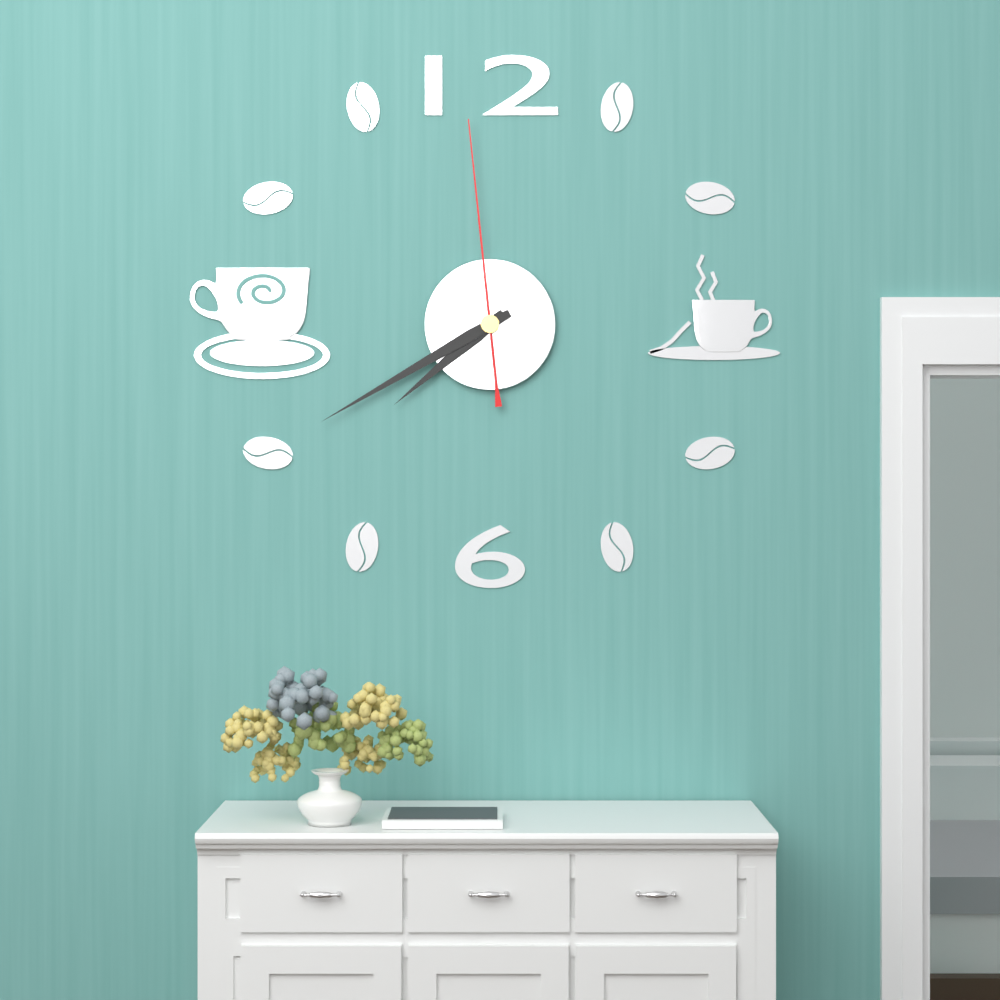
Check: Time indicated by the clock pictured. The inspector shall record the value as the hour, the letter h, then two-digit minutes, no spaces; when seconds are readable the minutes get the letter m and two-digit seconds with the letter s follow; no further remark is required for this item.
7h40m59s
